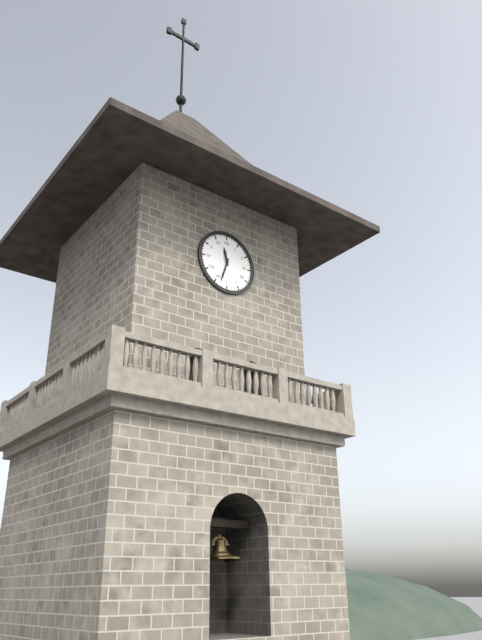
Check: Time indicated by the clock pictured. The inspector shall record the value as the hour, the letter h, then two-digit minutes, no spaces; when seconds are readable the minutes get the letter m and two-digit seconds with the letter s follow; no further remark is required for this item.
11h33
